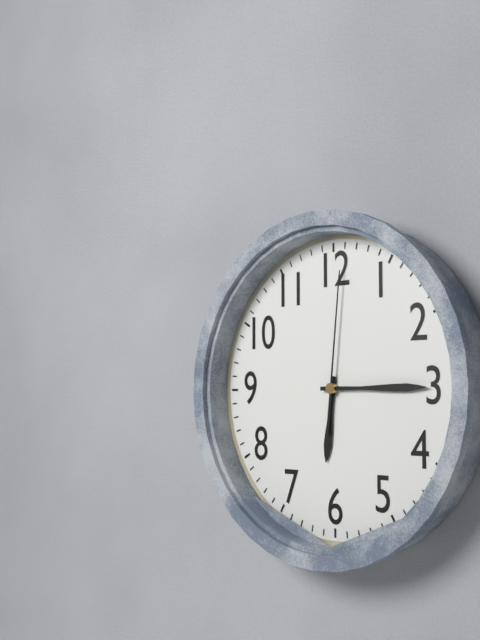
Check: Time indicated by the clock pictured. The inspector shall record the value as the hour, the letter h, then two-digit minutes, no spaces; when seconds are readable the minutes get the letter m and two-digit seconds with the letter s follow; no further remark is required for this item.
6h15m01s
